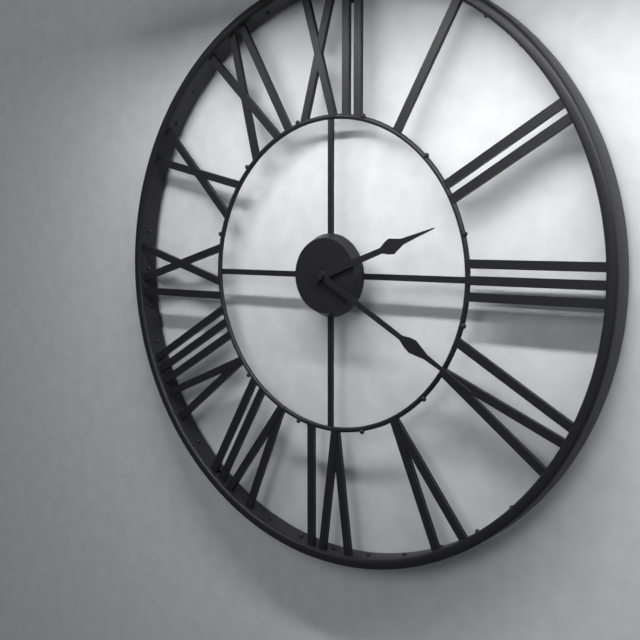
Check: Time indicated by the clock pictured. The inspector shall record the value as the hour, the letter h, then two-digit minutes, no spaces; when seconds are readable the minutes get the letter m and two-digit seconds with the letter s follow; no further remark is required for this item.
2h20
